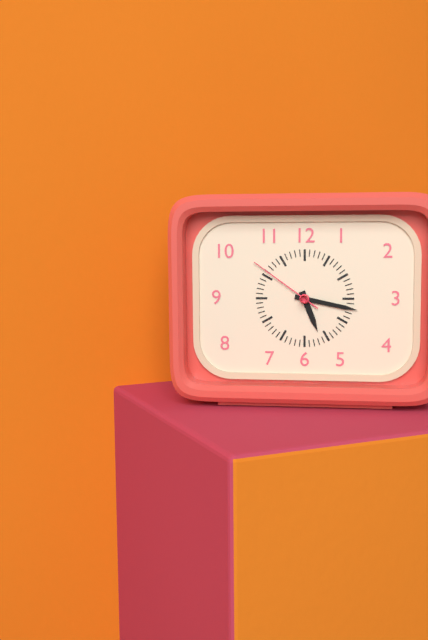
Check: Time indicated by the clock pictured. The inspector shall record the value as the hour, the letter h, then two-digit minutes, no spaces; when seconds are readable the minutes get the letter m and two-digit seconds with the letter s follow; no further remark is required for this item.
5h17m51s
